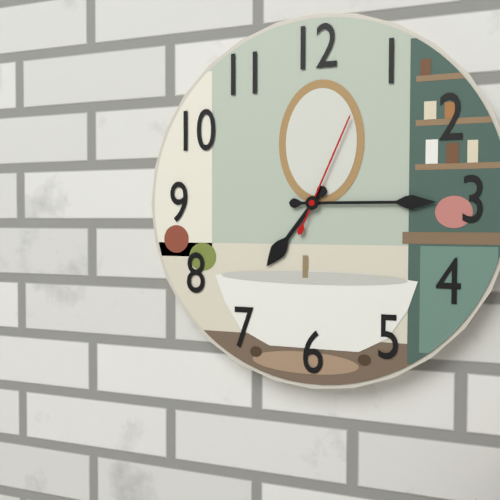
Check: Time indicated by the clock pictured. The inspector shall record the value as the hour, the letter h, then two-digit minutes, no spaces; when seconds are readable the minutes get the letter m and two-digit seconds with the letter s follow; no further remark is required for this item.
7h15m04s
